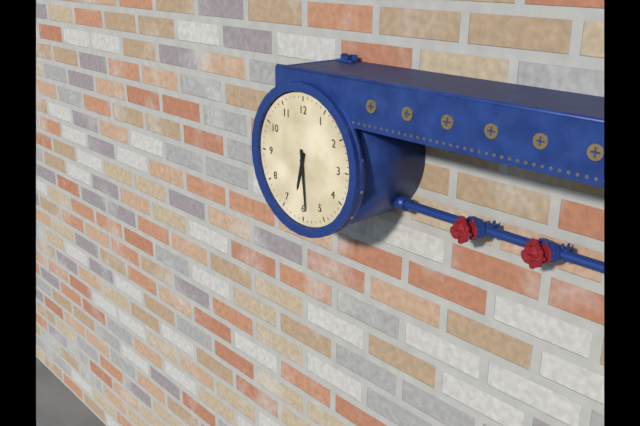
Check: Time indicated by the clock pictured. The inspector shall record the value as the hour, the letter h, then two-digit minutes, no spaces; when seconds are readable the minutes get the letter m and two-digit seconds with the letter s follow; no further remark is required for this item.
6h29
